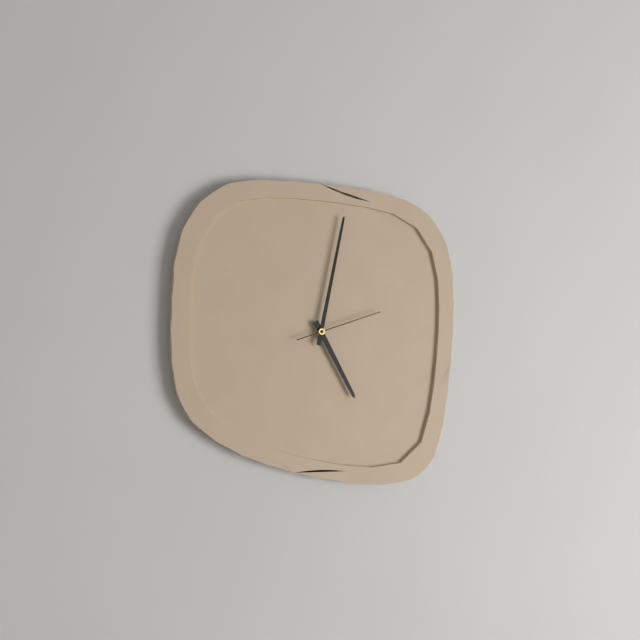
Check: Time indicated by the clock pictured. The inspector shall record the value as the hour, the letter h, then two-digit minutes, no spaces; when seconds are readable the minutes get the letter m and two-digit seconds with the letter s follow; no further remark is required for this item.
5h02m12s
